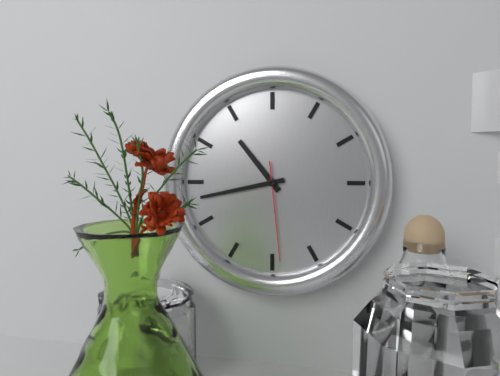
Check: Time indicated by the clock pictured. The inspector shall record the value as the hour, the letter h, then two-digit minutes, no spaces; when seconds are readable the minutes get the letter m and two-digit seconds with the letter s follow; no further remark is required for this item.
10h43m29s
